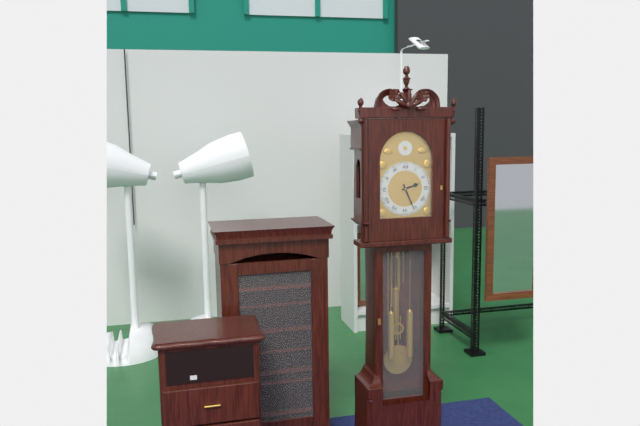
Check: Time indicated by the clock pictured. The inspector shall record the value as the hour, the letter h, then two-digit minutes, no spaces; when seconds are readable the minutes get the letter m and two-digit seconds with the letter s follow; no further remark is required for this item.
2h26
